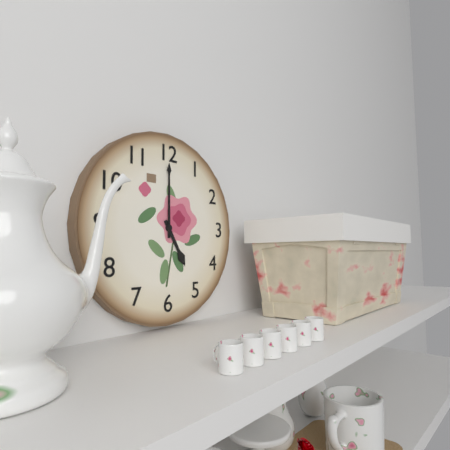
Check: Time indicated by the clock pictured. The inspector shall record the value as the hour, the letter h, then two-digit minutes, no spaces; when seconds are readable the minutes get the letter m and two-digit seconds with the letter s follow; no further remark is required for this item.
5h00
